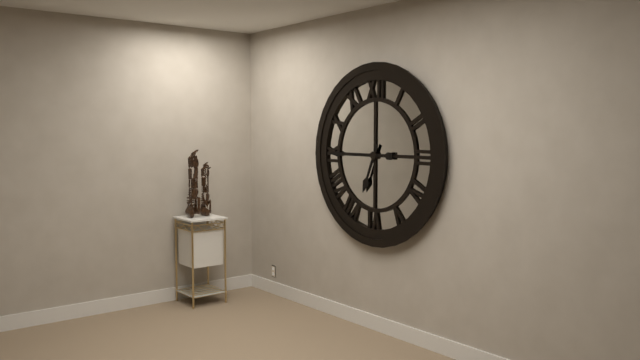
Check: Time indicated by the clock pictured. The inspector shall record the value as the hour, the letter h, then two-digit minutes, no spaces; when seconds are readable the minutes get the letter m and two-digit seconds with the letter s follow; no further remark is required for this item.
6h45
